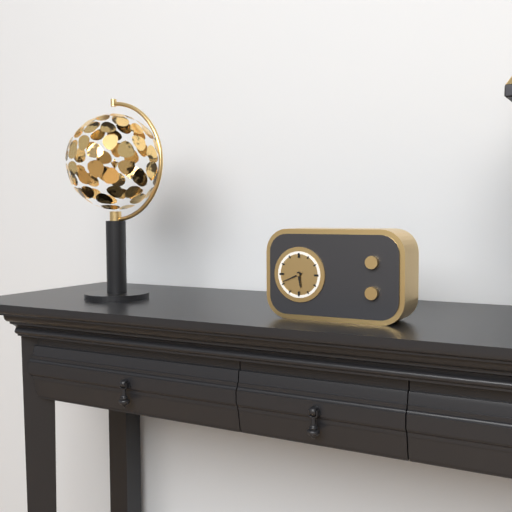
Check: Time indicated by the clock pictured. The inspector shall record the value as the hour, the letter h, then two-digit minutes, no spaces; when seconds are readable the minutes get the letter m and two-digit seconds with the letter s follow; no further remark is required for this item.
5h41
